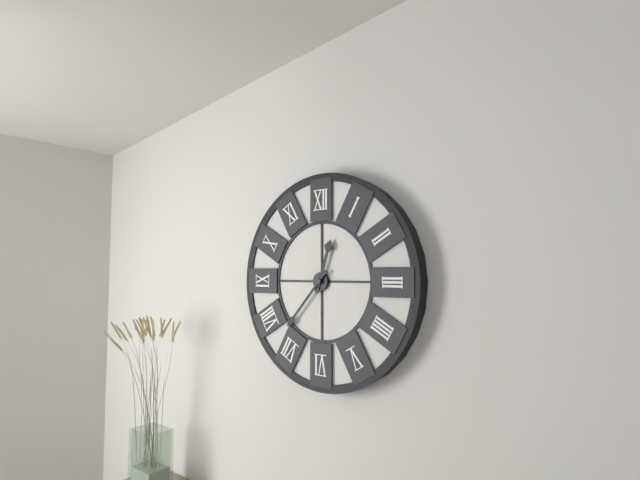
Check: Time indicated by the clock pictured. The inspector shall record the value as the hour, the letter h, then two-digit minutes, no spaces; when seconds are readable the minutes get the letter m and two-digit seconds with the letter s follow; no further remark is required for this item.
12h37
